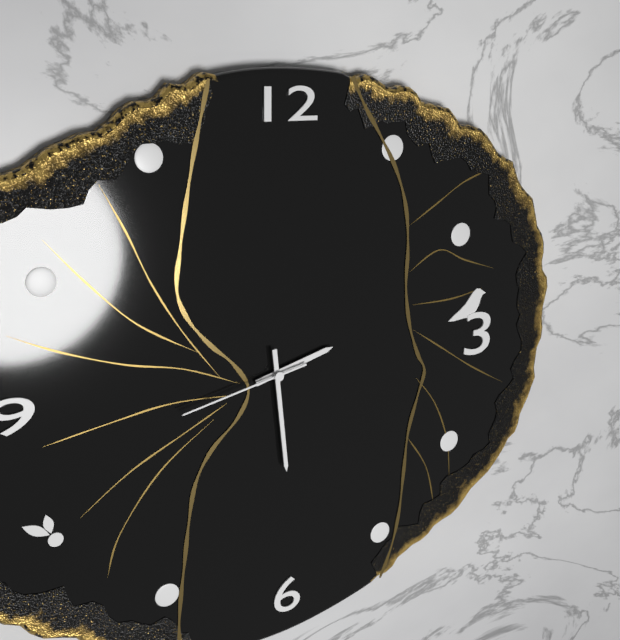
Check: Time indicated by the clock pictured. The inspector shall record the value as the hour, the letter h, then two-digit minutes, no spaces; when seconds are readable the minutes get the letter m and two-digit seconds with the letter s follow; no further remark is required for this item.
2h29m43s
